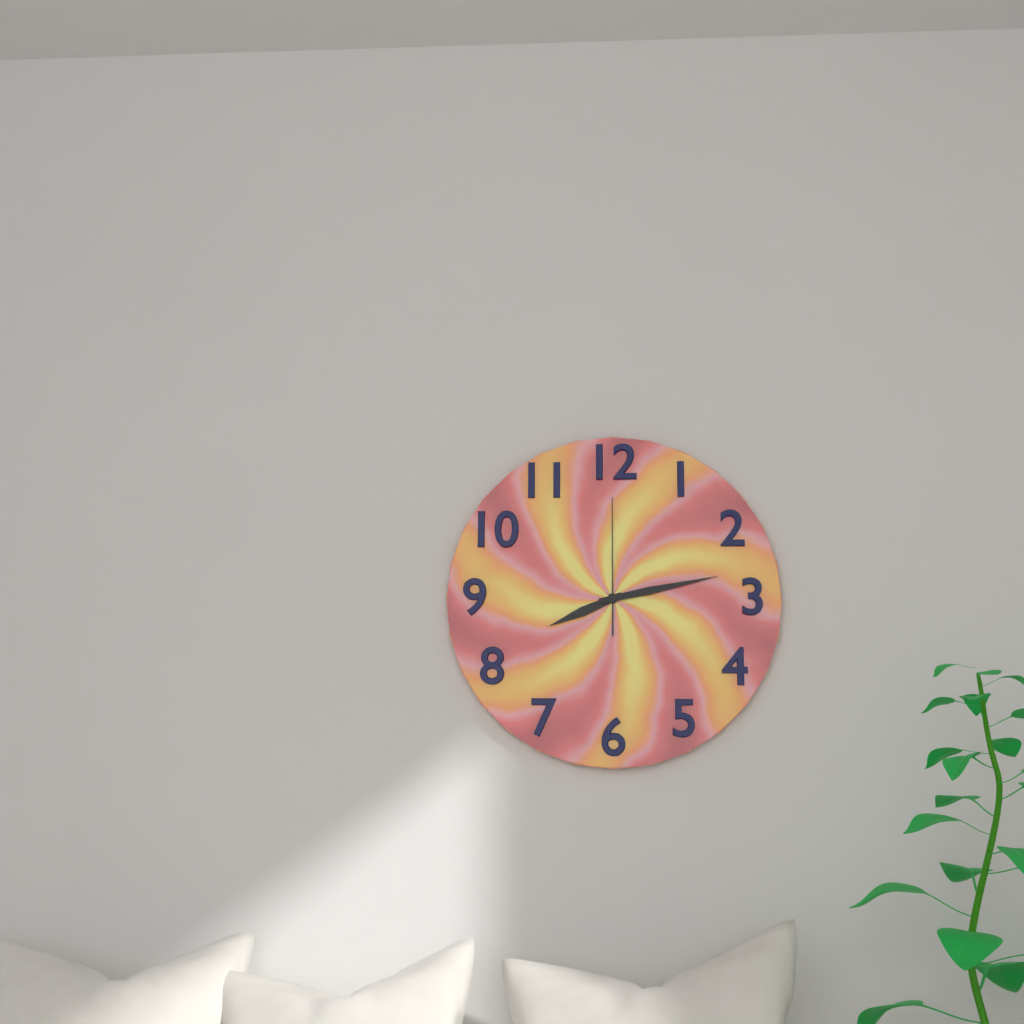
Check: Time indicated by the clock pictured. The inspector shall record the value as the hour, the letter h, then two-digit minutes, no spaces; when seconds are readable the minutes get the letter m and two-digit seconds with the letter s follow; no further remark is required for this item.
8h13m00s
